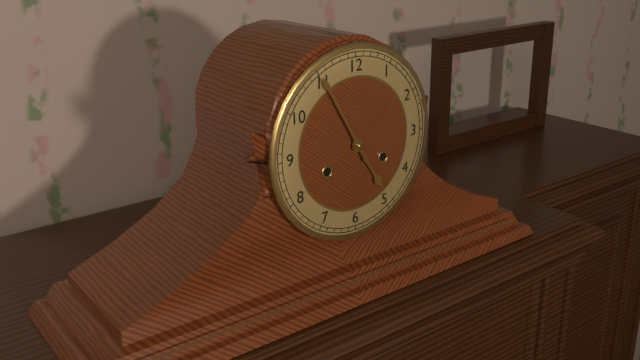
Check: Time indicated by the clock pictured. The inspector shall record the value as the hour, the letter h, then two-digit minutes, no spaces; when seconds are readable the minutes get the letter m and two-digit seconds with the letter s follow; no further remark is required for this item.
4h55
